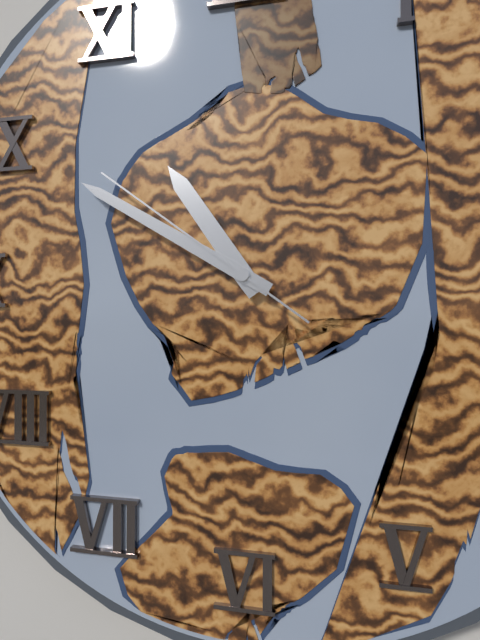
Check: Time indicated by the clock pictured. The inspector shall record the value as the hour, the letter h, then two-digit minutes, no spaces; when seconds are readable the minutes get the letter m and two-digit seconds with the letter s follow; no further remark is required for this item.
10h50m51s
